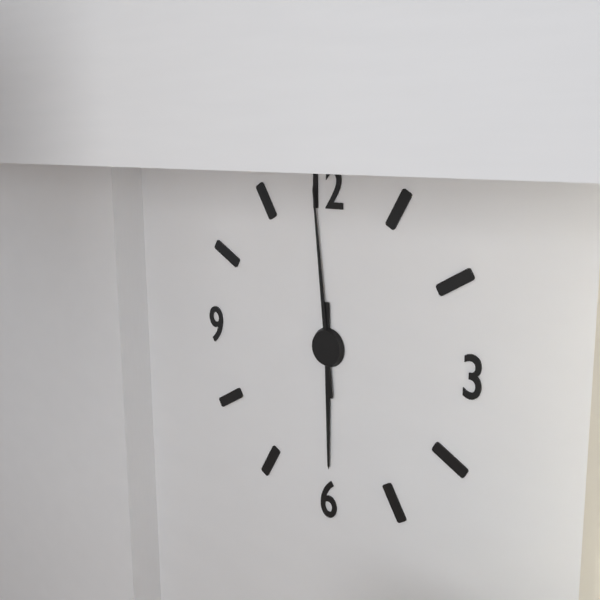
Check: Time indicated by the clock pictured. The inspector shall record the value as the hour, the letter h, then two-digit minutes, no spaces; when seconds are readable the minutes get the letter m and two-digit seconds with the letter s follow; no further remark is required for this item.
5h59
